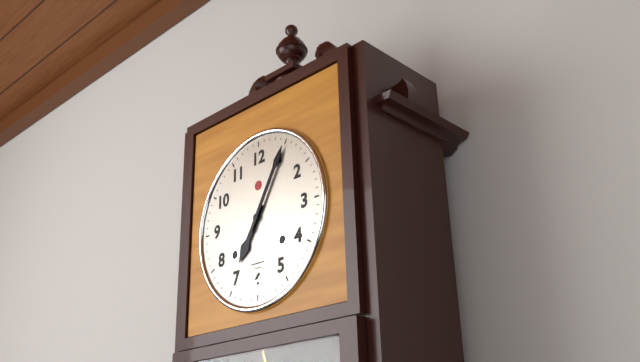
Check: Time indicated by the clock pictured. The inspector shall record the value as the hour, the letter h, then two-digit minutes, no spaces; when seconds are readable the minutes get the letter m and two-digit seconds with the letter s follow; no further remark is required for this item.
7h05
